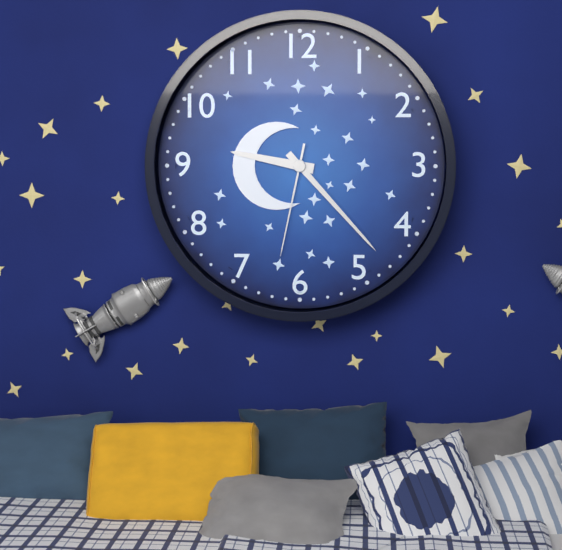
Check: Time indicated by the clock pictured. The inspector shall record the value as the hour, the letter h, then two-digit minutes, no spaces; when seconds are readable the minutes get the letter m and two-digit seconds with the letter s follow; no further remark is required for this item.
9h23m32s
